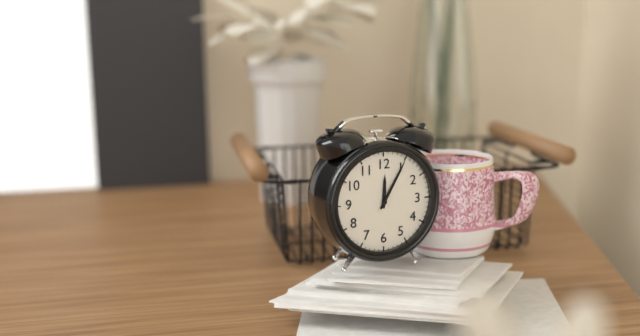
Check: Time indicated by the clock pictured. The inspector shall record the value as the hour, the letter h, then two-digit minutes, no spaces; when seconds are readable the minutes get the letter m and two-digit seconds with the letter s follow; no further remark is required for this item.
12h05
